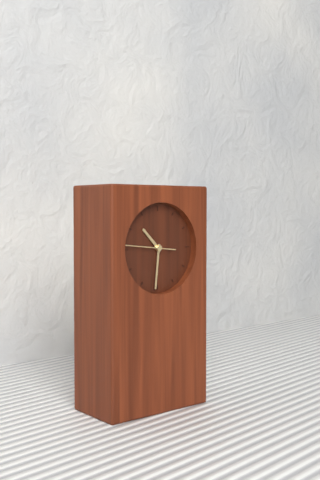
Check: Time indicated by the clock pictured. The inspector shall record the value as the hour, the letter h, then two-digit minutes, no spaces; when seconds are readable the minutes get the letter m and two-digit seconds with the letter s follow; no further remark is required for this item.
10h31
